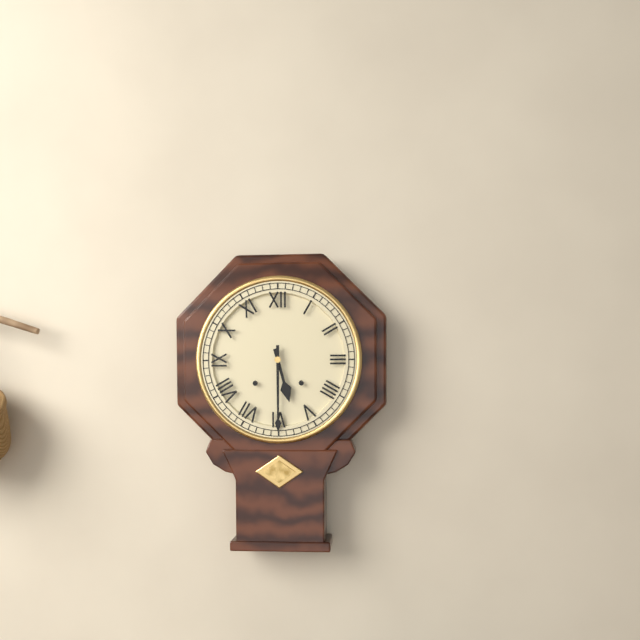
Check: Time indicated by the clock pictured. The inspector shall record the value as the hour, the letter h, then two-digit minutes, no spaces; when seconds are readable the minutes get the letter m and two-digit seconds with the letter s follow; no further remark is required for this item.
5h30
